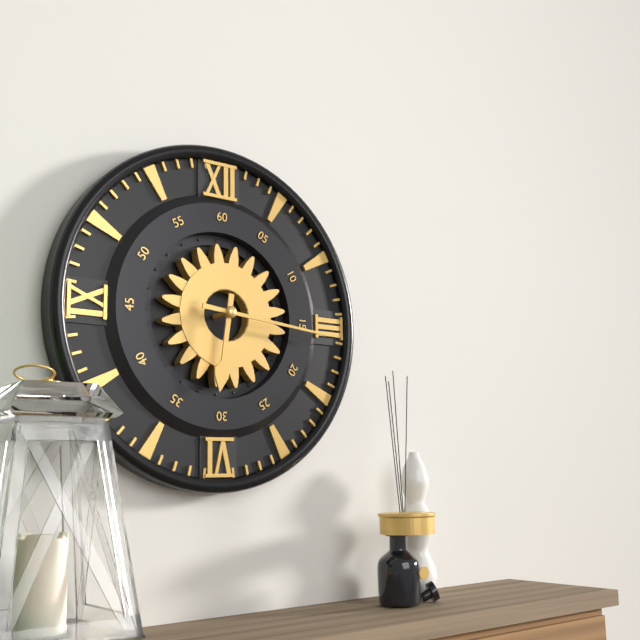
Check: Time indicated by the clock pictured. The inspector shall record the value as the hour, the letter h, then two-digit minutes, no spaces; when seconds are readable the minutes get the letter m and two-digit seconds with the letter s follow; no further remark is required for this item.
6h16
